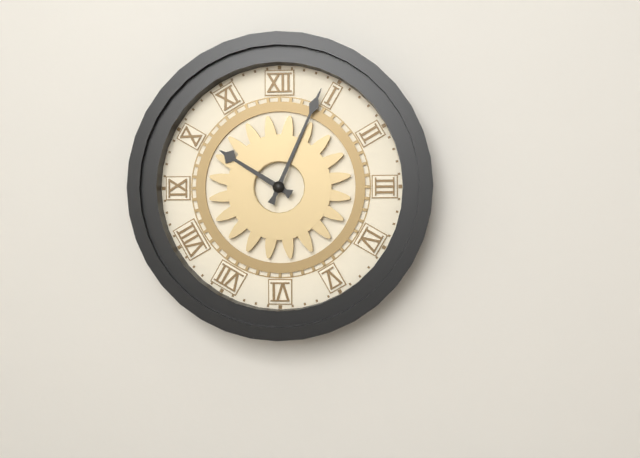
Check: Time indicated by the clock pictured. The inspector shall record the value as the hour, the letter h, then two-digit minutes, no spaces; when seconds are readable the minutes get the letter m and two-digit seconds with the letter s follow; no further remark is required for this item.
10h04
